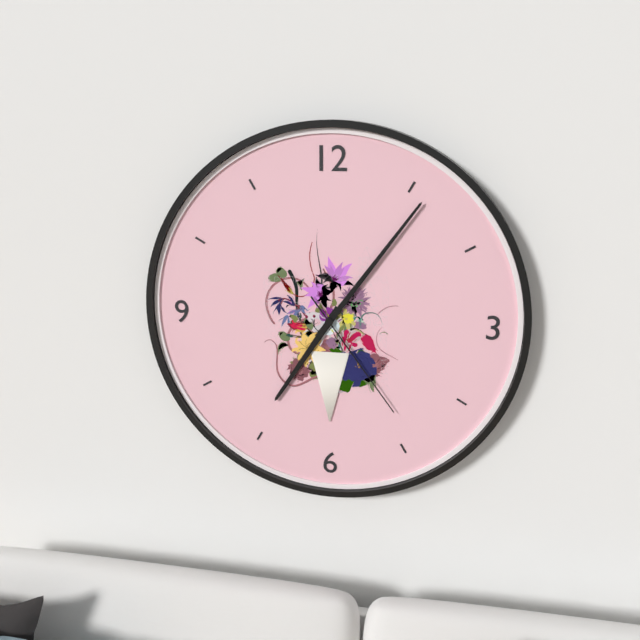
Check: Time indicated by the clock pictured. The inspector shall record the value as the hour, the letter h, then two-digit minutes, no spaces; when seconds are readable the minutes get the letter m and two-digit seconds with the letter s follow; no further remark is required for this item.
7h06m24s
